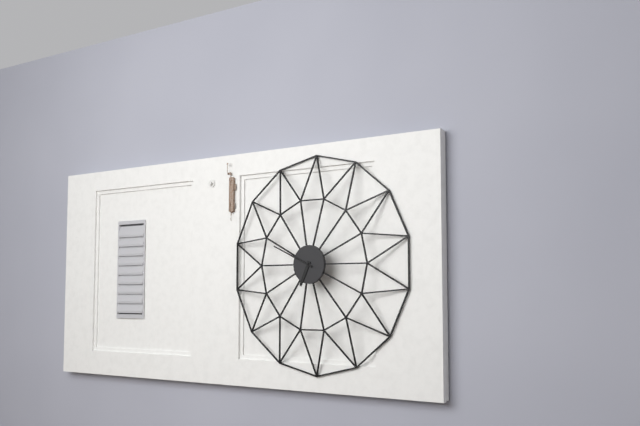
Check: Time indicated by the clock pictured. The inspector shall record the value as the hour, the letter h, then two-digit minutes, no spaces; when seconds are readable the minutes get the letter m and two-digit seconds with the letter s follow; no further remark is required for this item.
6h49
